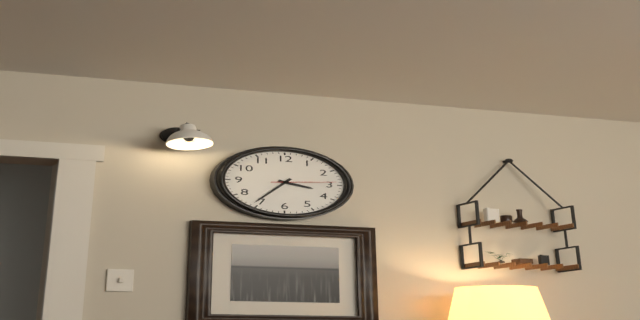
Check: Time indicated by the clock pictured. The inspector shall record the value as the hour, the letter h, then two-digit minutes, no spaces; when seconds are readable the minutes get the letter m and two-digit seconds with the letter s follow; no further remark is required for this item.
3h36m14s
